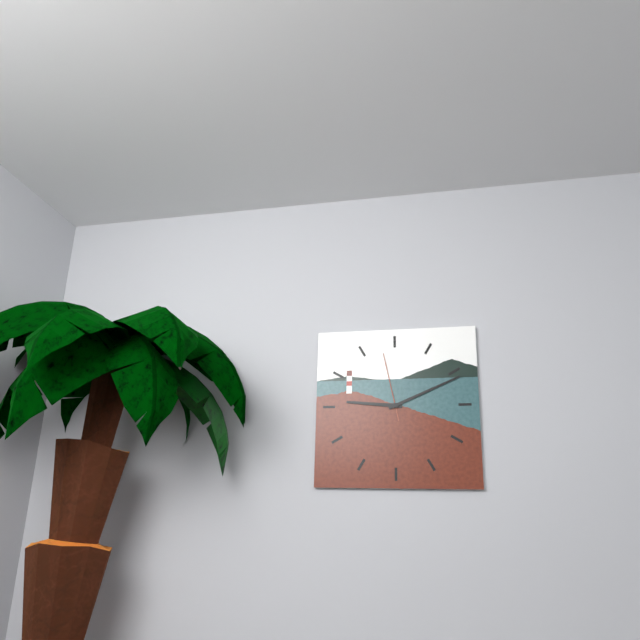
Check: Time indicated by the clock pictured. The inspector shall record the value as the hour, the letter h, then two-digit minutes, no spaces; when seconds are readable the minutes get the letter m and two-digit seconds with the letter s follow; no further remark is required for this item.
9h11m58s
